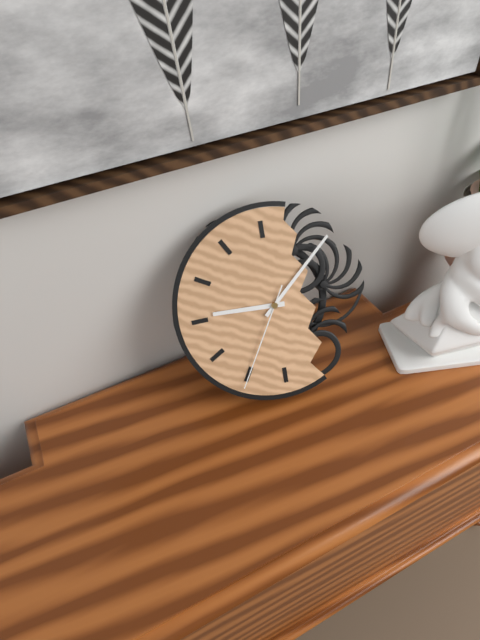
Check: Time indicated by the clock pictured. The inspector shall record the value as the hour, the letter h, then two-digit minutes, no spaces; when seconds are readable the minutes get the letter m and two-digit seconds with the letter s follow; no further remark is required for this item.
9h08m35s
